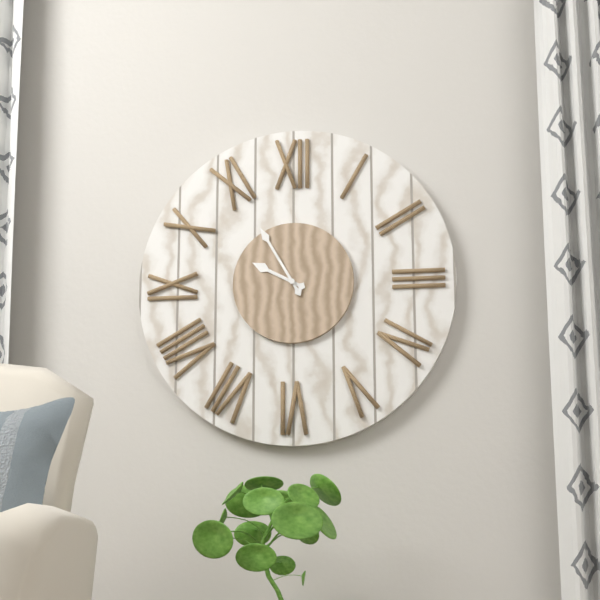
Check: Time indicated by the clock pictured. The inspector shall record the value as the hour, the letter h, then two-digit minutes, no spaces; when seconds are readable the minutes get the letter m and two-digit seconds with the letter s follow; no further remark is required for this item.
9h55
